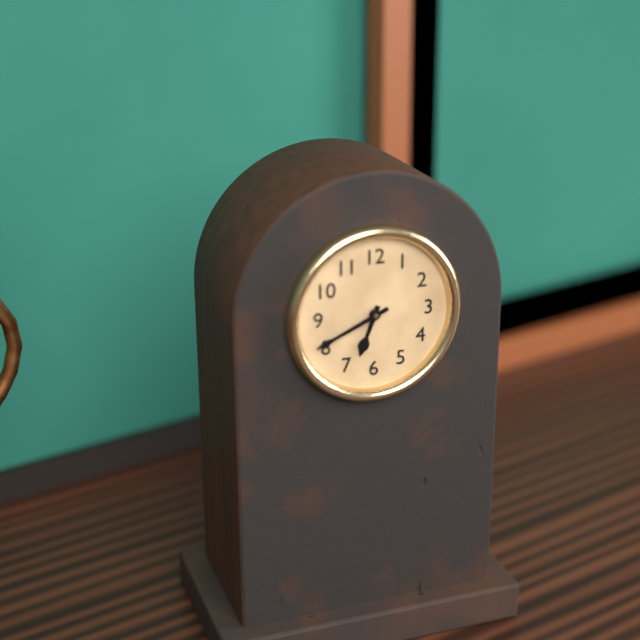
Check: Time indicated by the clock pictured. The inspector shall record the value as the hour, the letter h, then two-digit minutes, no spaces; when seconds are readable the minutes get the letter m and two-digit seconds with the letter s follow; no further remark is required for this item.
6h41
